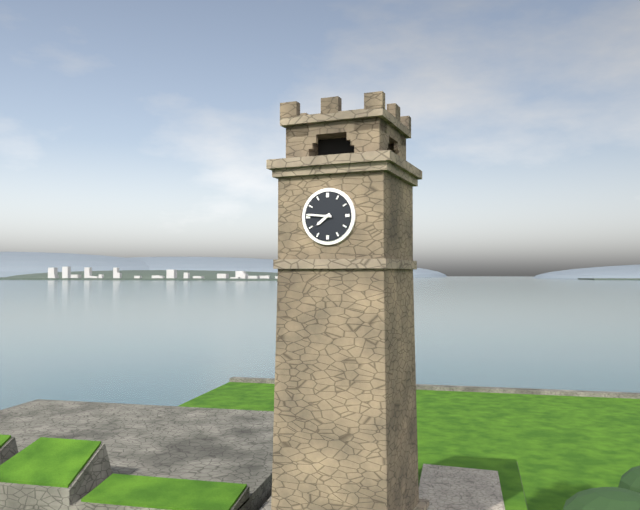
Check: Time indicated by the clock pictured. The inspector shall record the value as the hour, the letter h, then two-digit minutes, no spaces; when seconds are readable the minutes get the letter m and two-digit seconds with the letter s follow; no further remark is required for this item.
7h46
